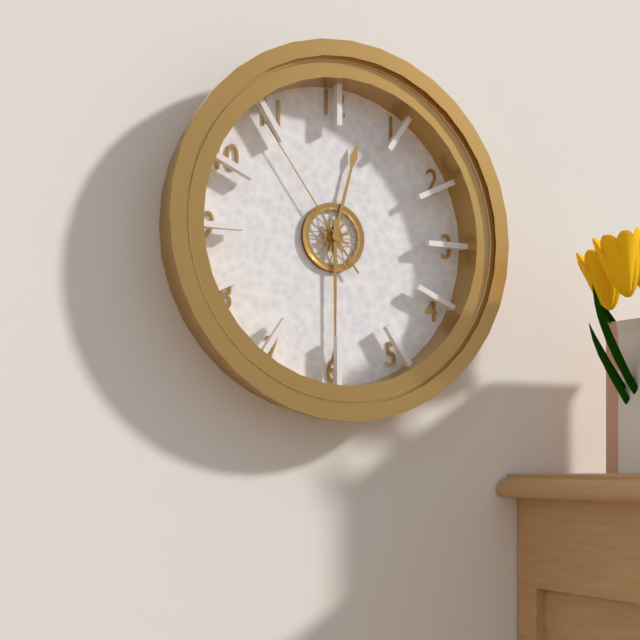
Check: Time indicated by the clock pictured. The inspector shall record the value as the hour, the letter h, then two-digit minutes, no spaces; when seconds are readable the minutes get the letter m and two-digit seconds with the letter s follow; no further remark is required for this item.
12h30m54s
